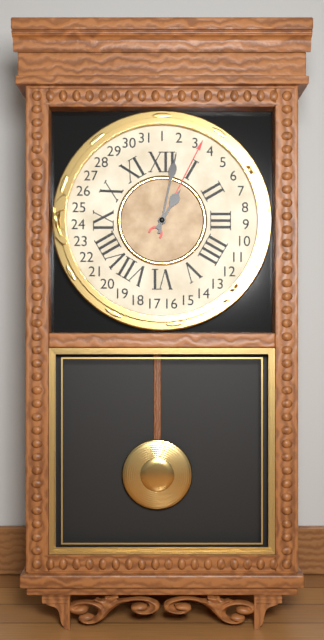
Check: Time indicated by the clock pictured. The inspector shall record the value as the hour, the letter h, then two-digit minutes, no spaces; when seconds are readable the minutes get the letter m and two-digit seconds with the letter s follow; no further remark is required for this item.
1h02
